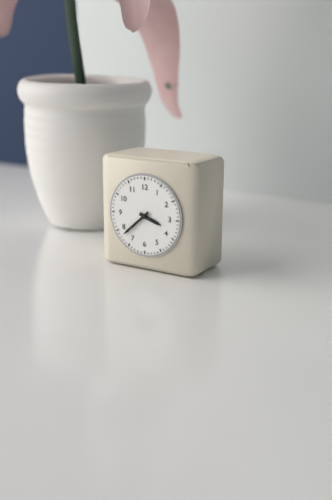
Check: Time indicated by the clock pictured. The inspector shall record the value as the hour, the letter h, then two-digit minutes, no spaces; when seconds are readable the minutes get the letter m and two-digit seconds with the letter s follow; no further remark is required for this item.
3h38
